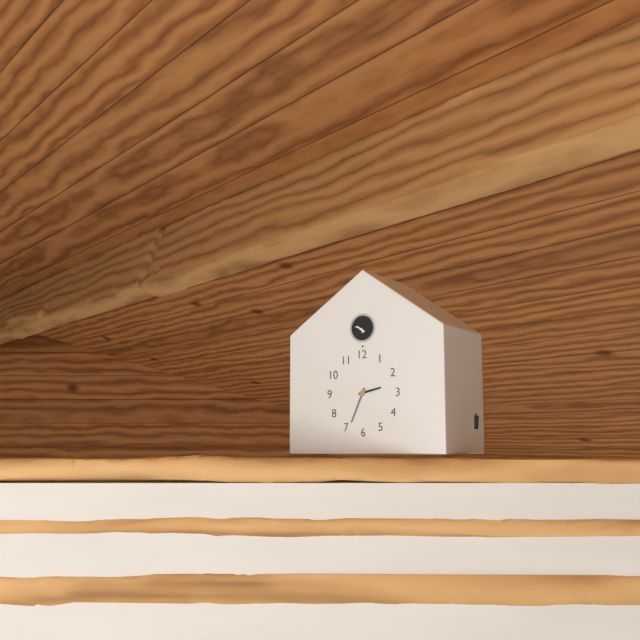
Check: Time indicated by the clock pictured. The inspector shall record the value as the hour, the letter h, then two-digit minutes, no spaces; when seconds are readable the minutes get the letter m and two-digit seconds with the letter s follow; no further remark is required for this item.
2h34
